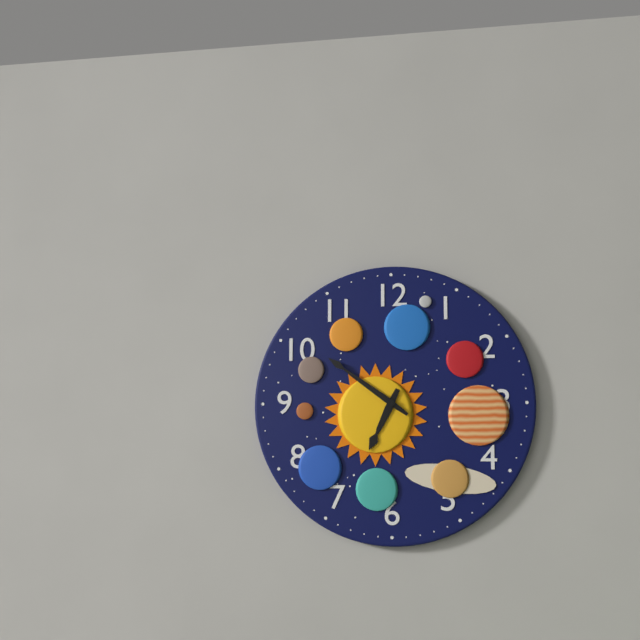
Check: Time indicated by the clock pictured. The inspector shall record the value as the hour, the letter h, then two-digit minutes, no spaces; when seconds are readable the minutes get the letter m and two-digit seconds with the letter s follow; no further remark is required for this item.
6h51
